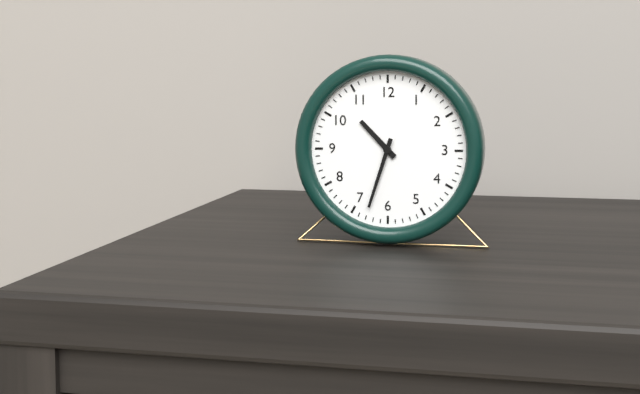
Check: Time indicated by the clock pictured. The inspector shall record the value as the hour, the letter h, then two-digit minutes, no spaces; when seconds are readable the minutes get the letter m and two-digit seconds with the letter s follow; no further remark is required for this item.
10h33
